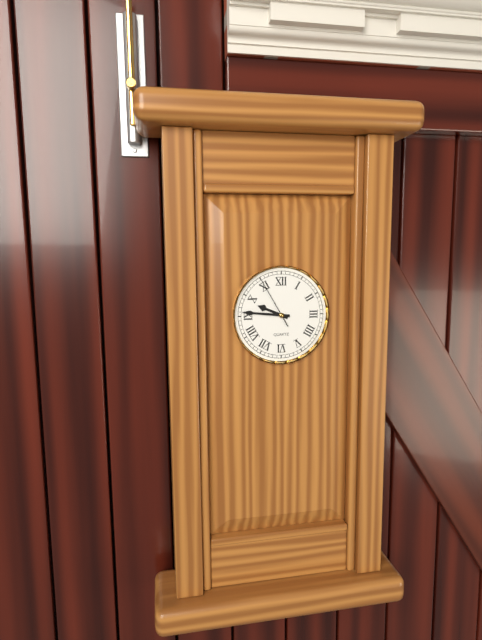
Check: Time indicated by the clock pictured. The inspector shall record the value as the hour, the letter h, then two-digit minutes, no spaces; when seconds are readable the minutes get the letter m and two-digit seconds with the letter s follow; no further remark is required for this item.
9h46m55s
